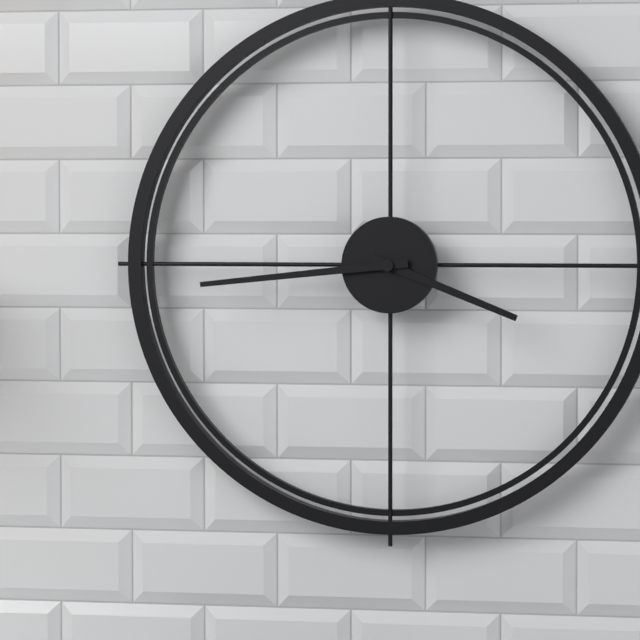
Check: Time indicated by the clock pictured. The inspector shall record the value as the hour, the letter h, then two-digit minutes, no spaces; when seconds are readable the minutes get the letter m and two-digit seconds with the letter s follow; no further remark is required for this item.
3h44
